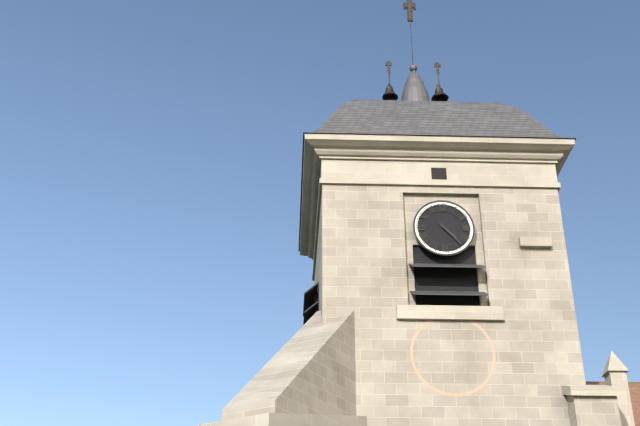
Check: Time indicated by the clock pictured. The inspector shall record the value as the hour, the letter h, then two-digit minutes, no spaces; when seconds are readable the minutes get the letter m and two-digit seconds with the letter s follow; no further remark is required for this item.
4h23
